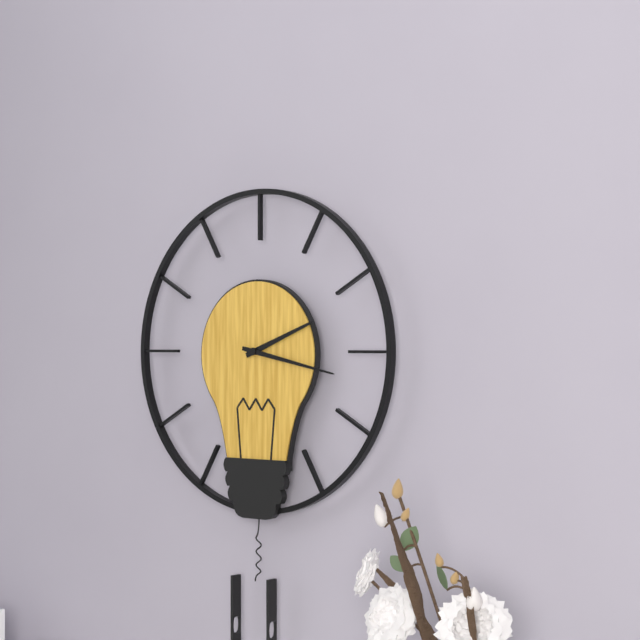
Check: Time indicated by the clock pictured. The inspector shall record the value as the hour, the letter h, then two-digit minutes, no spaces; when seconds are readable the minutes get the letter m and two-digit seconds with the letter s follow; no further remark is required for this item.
2h17
